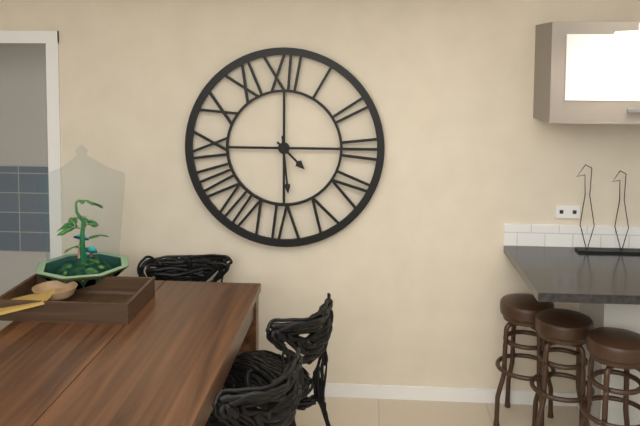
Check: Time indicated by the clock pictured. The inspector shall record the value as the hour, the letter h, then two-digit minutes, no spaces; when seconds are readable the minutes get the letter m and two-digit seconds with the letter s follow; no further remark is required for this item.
4h29
